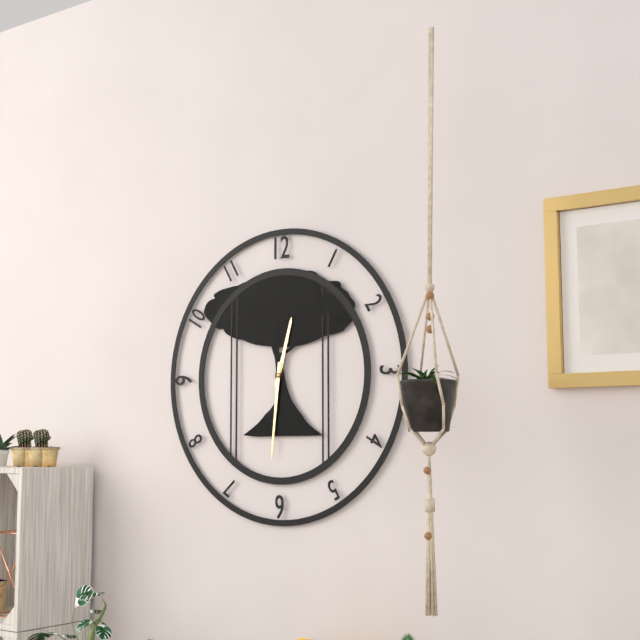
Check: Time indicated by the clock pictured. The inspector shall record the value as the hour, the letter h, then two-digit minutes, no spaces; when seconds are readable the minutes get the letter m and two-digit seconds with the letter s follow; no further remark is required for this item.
12h31
